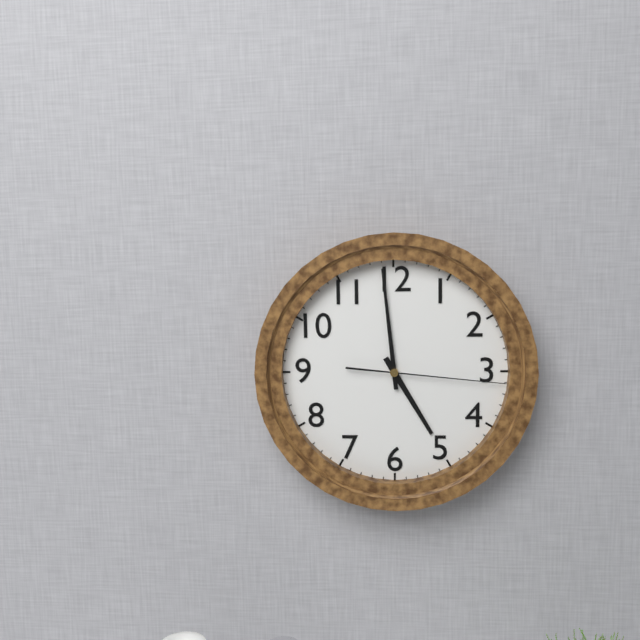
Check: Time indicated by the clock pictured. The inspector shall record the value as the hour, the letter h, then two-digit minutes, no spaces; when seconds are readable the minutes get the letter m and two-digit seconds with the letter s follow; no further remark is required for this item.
4h59m16s
